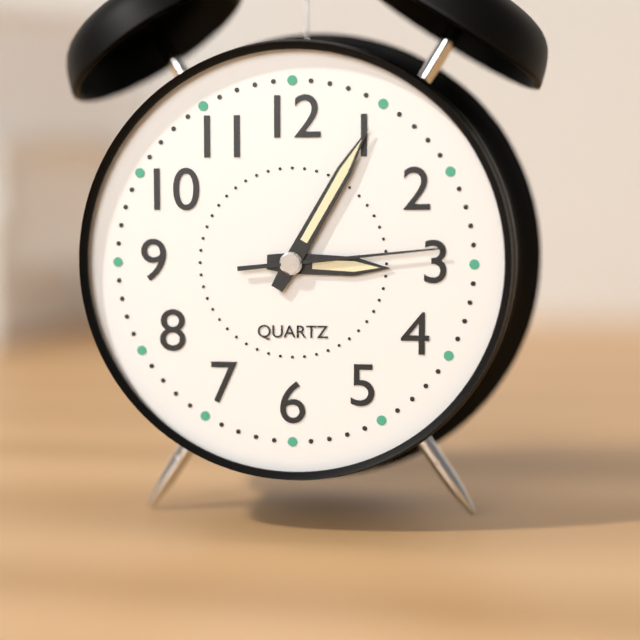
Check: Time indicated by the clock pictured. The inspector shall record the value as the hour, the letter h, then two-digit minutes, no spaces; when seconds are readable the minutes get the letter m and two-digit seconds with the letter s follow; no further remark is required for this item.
3h05m14s
